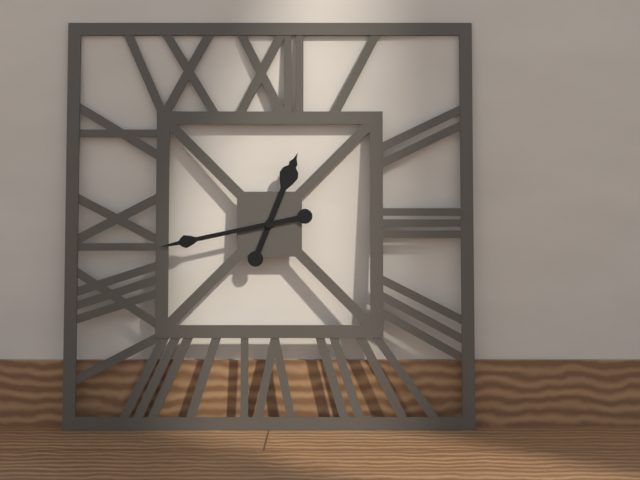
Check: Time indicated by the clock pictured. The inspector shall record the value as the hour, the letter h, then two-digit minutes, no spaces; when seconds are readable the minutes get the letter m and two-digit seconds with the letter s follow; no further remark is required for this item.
12h43
